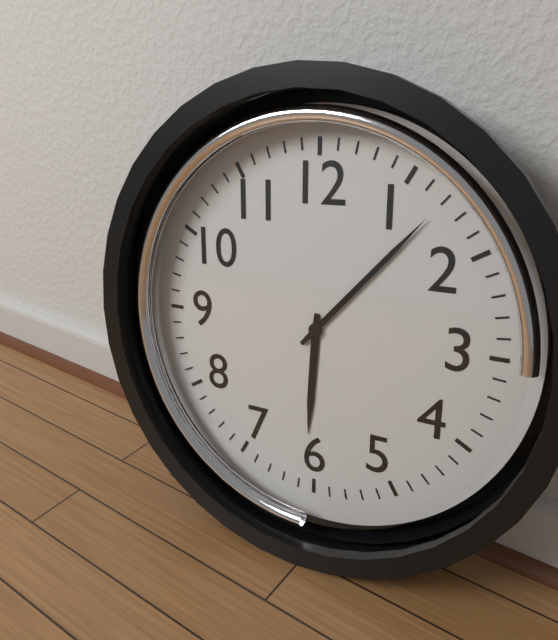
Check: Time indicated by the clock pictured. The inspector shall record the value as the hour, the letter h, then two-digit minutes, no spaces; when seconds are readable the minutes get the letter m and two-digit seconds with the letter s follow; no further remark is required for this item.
6h07
